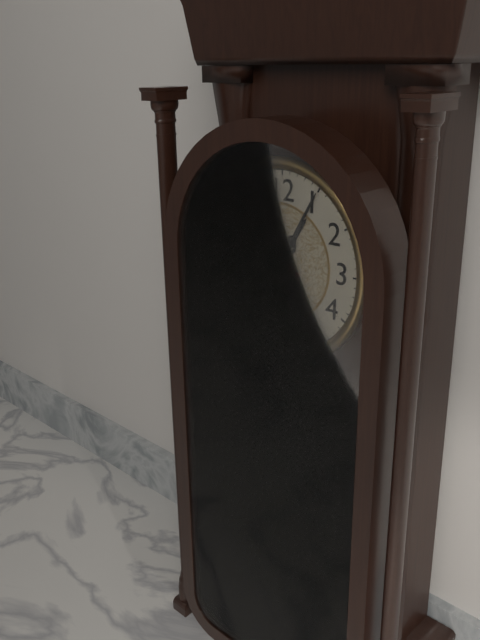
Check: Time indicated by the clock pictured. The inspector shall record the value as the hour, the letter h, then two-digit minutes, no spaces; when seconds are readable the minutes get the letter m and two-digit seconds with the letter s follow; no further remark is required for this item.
1h05m50s
